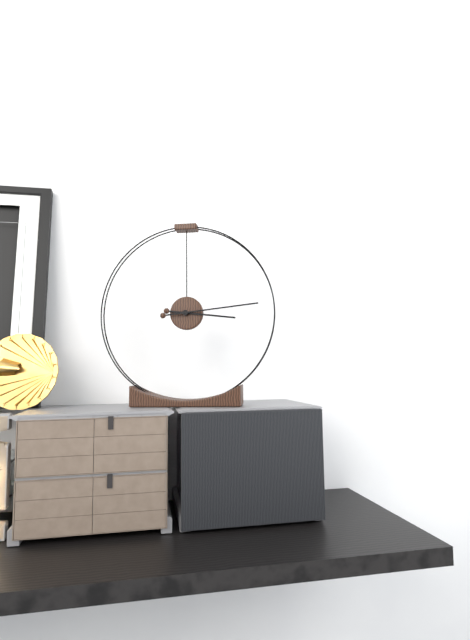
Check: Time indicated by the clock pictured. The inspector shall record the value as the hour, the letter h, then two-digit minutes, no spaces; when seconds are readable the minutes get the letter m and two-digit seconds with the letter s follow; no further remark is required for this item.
3h14
